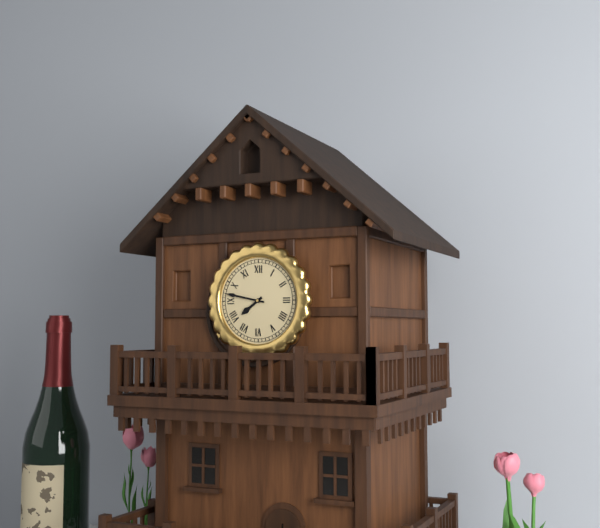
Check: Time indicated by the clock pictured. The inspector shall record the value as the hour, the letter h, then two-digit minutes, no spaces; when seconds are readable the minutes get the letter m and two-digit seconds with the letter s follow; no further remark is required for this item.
7h47
